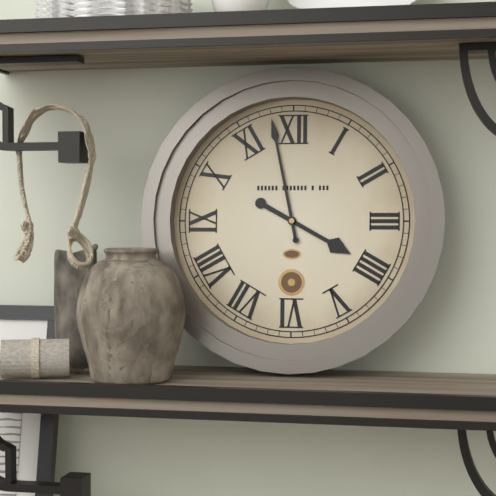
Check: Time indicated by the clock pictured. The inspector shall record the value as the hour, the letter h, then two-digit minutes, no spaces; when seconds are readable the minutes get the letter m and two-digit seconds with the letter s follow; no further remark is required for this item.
3h58
